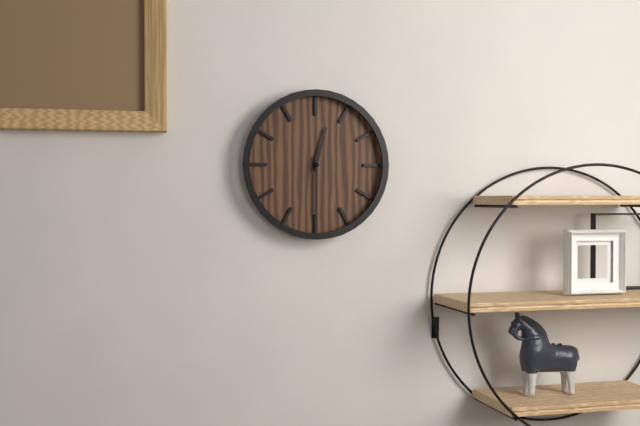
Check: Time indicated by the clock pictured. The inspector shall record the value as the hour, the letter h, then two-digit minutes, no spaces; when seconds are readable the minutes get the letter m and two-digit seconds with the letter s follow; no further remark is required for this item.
12h30
